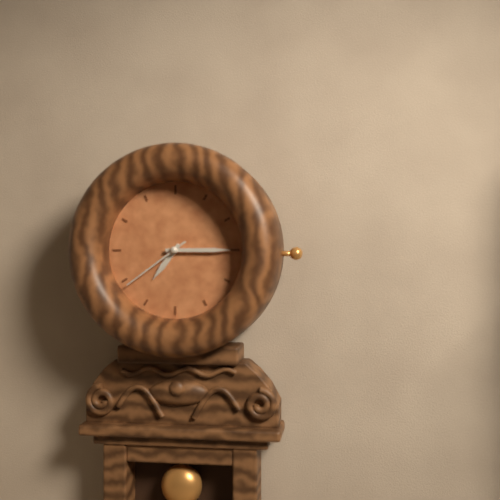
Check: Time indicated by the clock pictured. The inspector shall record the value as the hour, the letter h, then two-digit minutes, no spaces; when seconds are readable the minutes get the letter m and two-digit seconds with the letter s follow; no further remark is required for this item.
7h15m39s
